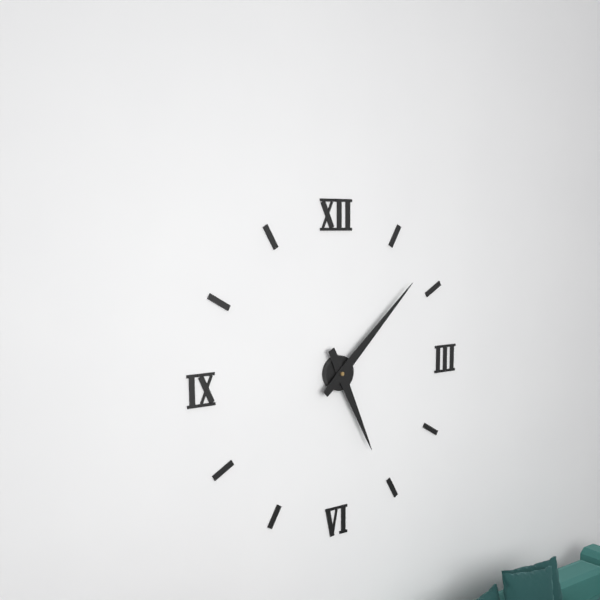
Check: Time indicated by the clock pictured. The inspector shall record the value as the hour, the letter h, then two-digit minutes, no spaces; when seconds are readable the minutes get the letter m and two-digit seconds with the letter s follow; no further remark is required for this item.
5h08
